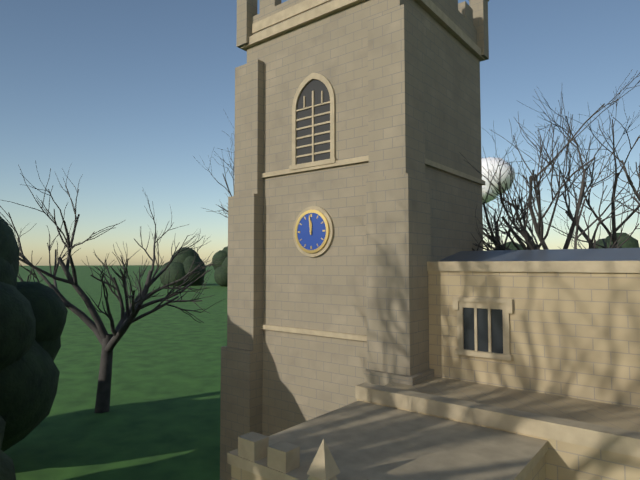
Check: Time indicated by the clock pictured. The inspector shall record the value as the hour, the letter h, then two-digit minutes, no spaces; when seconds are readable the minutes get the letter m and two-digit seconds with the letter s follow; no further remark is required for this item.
11h59
